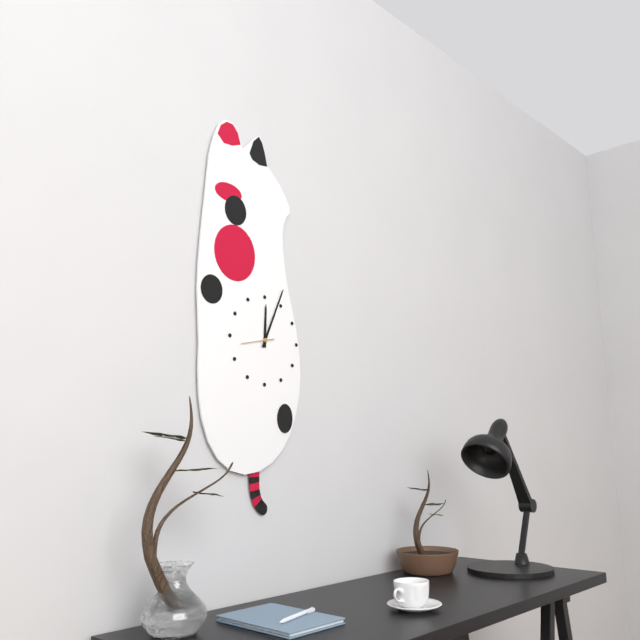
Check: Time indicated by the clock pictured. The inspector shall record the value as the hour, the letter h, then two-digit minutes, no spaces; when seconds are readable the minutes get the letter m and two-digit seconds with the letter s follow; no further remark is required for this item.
12h04
